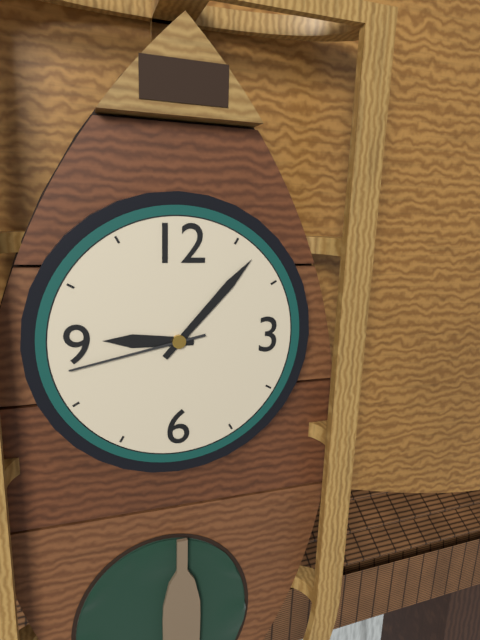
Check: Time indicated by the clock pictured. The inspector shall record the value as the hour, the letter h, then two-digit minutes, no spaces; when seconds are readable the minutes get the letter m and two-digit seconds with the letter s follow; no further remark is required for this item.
9h07m43s
